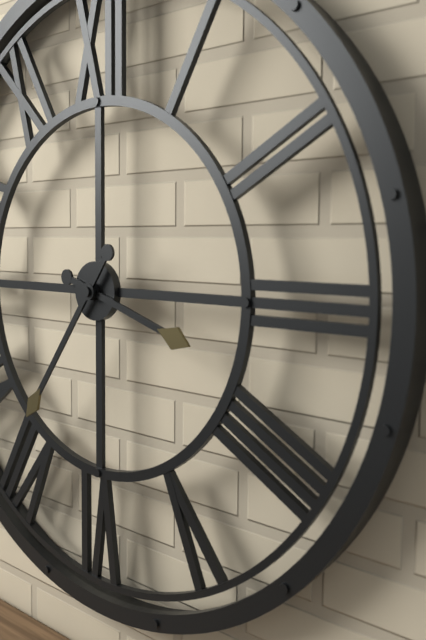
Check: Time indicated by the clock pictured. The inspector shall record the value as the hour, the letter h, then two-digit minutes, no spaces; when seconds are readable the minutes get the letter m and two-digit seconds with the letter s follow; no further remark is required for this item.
3h36
